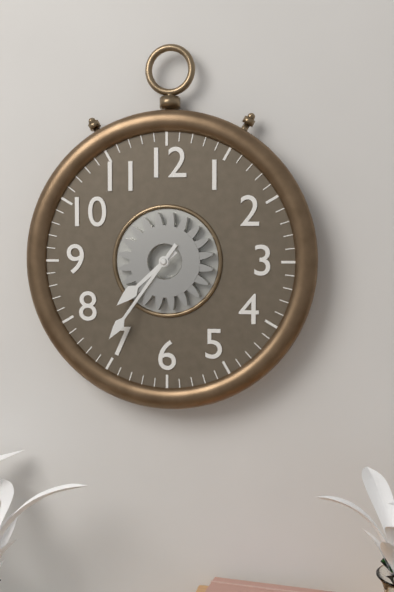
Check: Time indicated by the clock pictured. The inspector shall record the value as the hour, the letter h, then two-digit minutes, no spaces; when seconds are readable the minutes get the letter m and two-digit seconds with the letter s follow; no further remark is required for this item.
7h36
